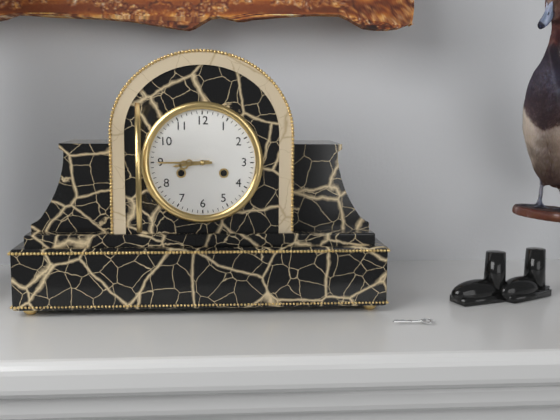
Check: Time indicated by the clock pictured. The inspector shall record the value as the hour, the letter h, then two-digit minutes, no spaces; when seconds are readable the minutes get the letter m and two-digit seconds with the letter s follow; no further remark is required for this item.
8h45
